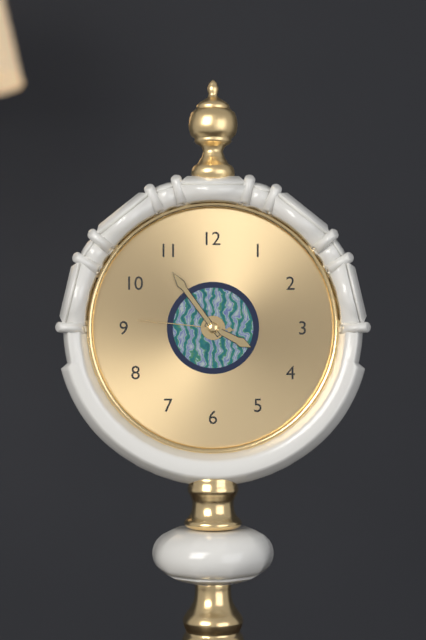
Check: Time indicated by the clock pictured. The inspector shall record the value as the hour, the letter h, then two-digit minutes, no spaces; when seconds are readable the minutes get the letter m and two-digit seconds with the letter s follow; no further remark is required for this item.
3h54m46s
